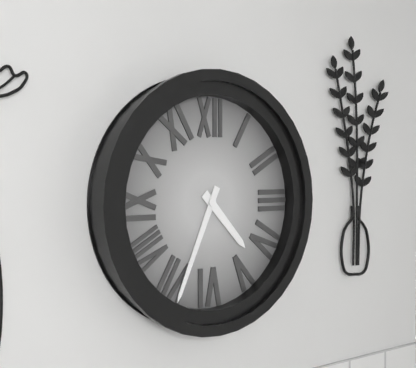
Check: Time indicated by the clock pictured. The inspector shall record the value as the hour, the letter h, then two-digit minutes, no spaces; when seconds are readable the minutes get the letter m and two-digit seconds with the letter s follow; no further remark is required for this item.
4h34
